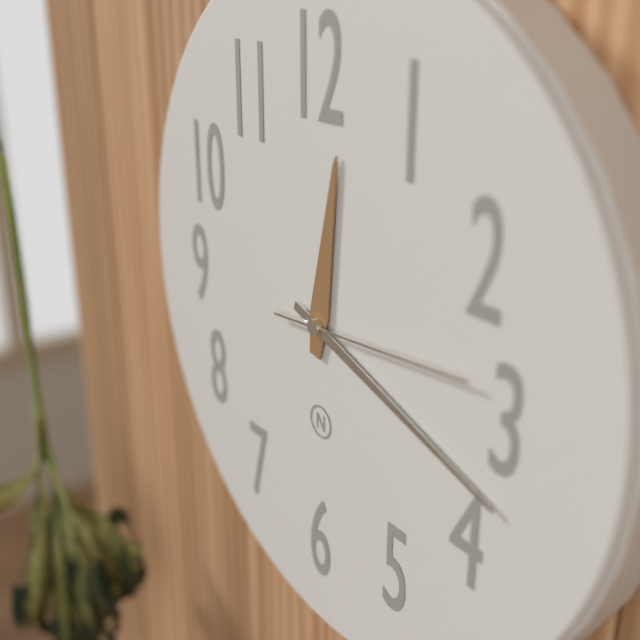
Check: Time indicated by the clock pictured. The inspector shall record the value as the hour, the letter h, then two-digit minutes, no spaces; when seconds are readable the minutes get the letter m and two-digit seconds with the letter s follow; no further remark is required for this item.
12h18m14s
